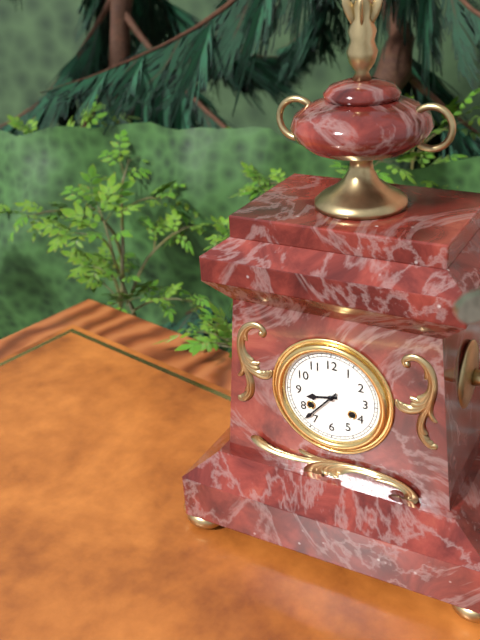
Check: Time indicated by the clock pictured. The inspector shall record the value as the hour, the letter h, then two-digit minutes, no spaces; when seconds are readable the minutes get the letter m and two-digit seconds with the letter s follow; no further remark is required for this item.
8h37
